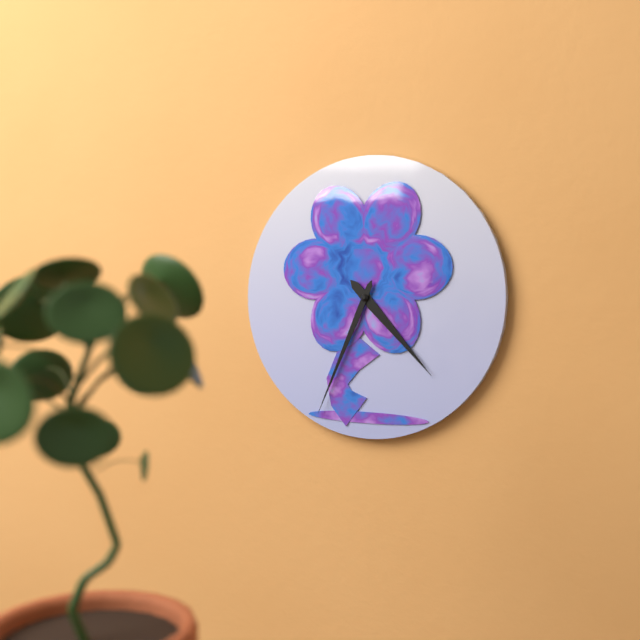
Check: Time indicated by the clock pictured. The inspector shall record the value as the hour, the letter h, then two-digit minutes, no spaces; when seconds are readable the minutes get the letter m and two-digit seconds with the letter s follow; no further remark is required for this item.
4h34
